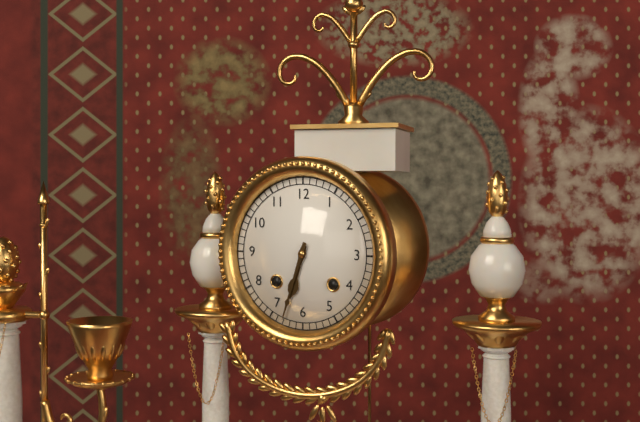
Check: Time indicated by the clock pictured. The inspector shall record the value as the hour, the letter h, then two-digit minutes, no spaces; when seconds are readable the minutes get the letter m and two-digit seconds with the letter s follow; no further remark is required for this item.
6h33
